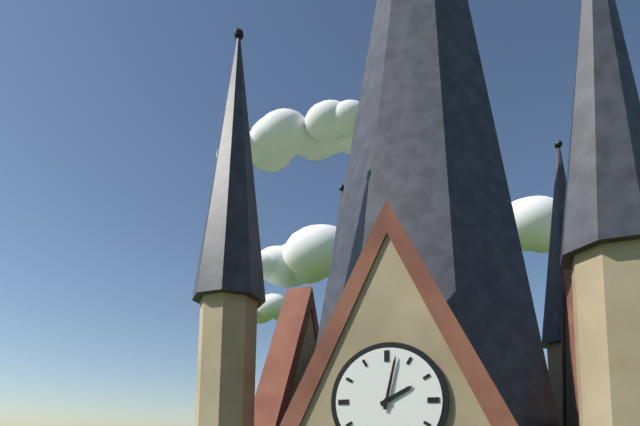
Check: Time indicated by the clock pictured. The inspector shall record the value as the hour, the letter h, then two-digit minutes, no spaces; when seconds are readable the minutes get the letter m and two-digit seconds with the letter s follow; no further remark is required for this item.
2h02
